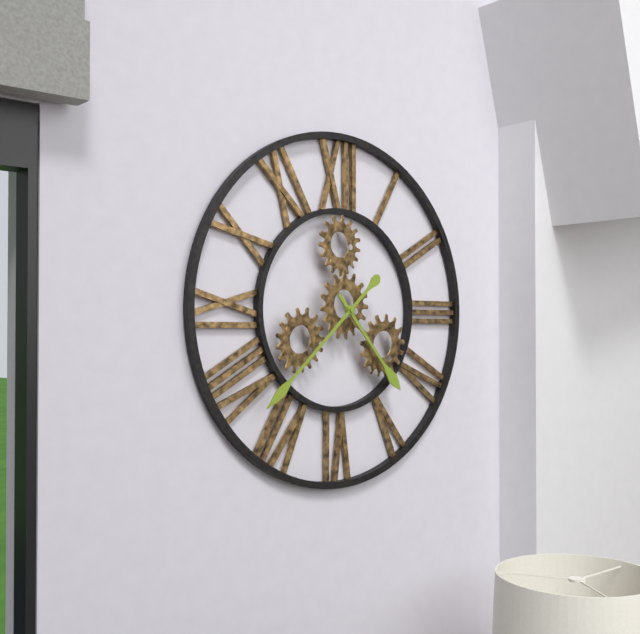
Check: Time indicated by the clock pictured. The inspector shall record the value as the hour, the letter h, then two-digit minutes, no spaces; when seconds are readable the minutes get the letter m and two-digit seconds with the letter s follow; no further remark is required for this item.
4h38
